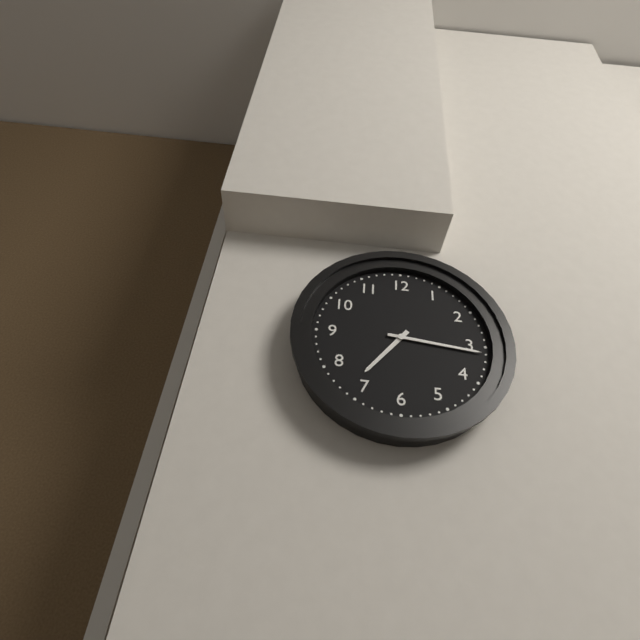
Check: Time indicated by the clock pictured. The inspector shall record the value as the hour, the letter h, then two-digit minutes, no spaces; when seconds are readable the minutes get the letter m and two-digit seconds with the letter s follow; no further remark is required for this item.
7h16
